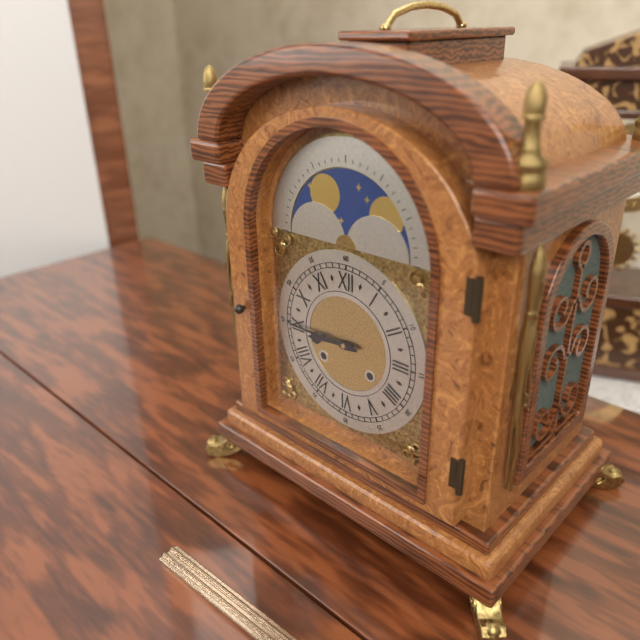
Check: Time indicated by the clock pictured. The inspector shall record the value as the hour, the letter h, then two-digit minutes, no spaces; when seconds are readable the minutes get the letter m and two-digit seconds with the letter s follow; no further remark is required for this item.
8h45
